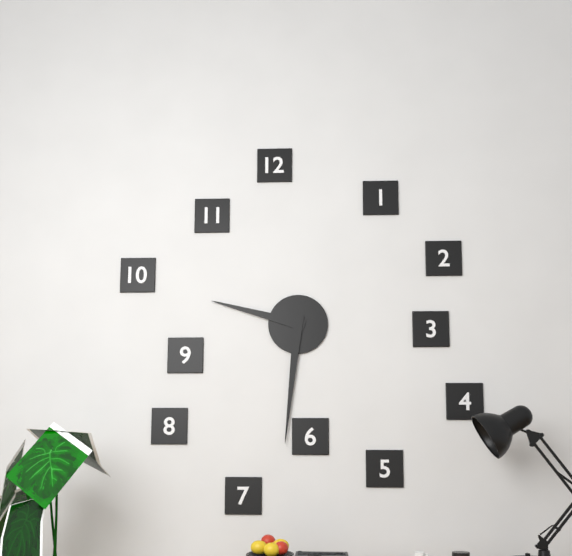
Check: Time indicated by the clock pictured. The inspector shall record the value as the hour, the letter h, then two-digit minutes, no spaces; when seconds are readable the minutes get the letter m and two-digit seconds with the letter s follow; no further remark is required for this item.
9h31
